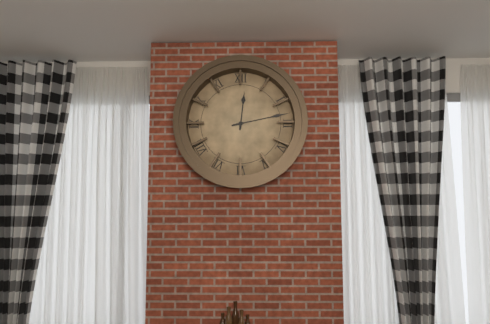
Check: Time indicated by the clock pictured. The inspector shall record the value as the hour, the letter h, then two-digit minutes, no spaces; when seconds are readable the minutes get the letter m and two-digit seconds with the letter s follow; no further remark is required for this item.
12h13
